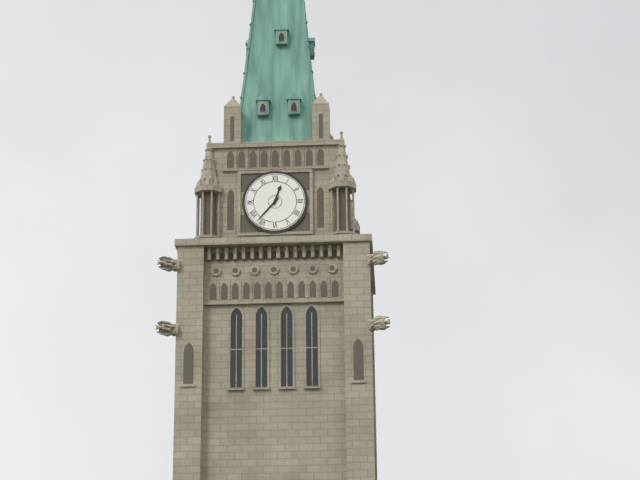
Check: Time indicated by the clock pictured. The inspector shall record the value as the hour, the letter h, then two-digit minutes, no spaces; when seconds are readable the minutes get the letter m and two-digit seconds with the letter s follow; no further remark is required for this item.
12h37
